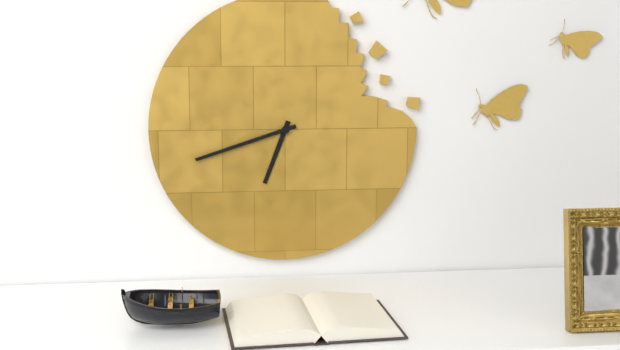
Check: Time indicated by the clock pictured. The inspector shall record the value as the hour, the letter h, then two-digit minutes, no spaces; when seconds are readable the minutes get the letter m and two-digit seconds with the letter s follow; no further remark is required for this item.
6h42
